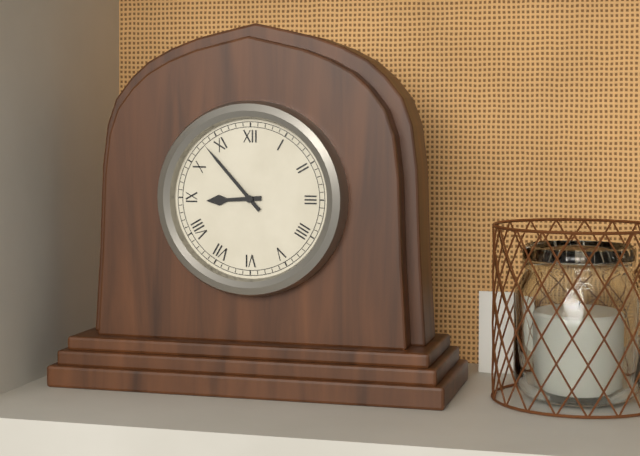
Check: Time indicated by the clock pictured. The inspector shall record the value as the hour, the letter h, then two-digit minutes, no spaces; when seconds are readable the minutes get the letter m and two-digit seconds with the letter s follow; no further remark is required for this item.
8h53
